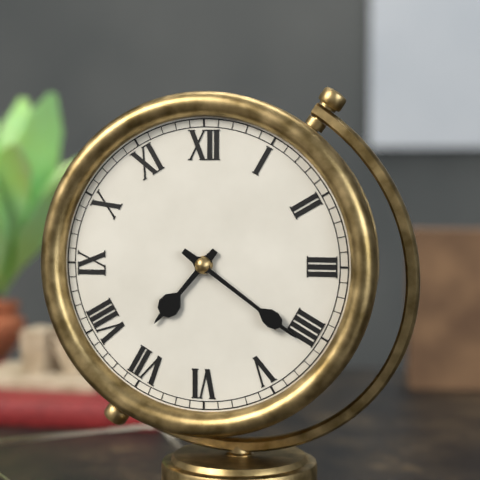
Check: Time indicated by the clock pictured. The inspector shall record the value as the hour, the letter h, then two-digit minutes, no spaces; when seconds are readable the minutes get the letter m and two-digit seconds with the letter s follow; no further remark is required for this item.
7h21
